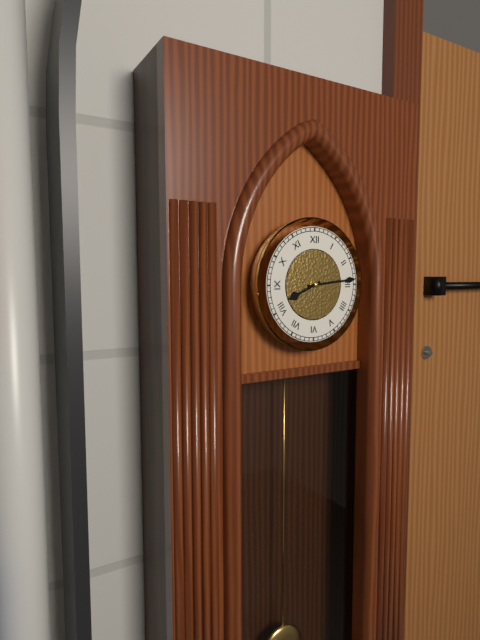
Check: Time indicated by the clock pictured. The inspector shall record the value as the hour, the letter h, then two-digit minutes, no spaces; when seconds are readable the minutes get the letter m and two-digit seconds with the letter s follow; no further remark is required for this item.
8h14
